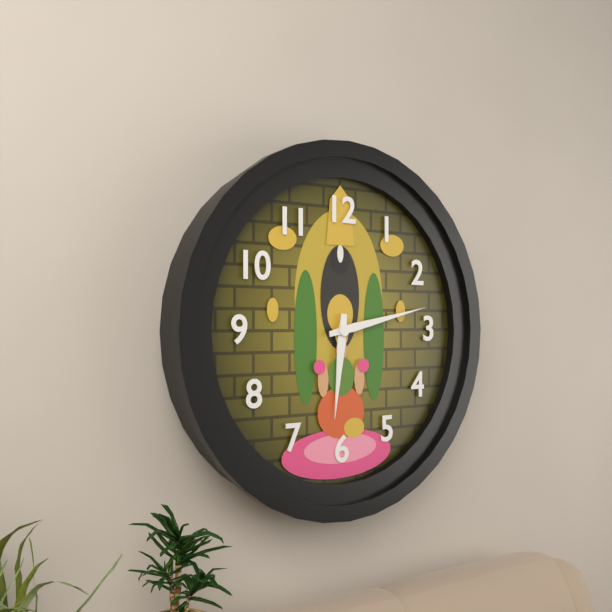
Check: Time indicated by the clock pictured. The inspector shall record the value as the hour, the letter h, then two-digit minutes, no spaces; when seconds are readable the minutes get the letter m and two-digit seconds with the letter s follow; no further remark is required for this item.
6h13
